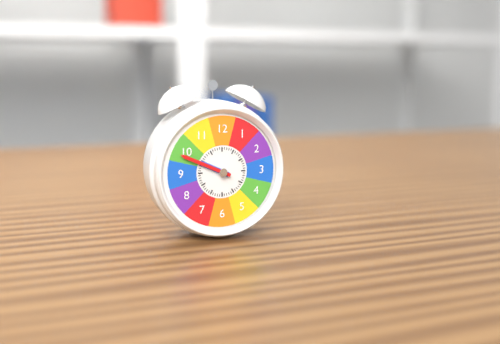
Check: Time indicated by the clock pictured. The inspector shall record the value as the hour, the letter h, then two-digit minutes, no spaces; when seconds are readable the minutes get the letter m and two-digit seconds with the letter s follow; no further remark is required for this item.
9h49
